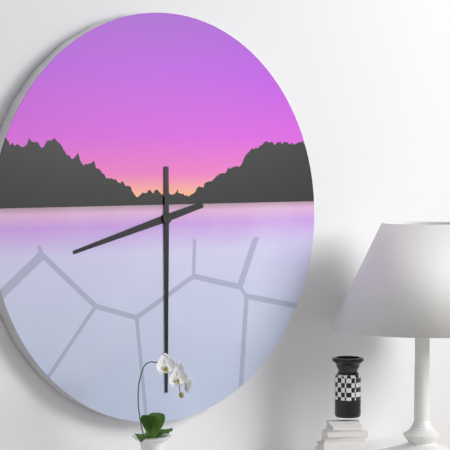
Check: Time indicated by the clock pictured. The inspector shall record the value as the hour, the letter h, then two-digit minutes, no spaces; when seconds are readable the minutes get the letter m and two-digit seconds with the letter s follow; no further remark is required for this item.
8h30
